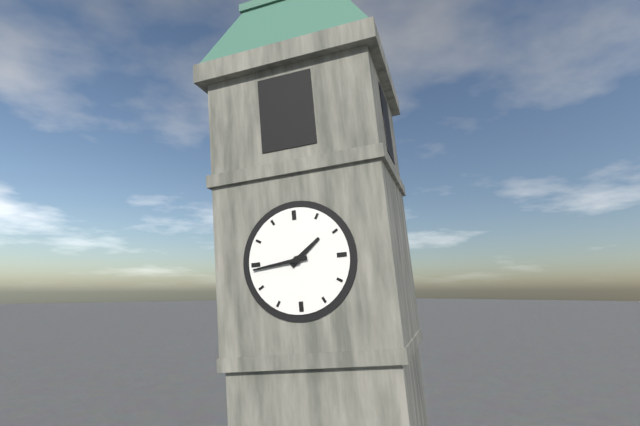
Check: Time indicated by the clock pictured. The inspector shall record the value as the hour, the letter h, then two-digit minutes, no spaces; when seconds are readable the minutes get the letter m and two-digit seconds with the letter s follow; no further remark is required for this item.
1h44
